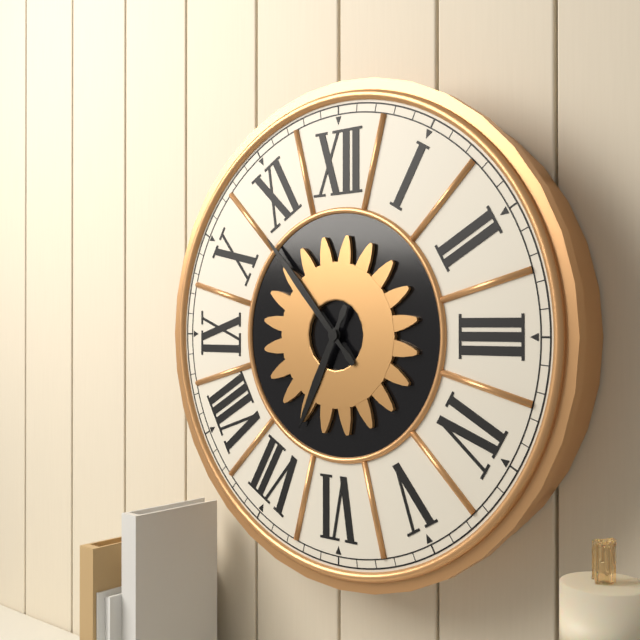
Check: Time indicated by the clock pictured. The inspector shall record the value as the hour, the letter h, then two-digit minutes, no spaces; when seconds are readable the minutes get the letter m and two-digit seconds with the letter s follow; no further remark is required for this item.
6h53
